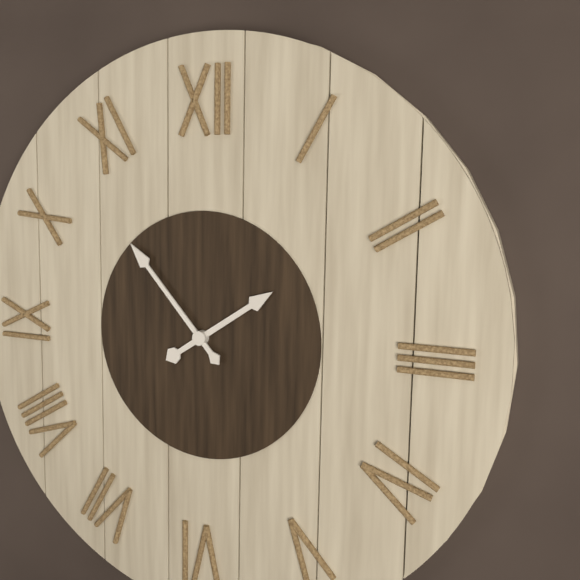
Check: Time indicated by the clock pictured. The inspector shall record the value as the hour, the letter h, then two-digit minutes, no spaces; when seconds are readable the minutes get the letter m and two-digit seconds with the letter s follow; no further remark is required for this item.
1h53
